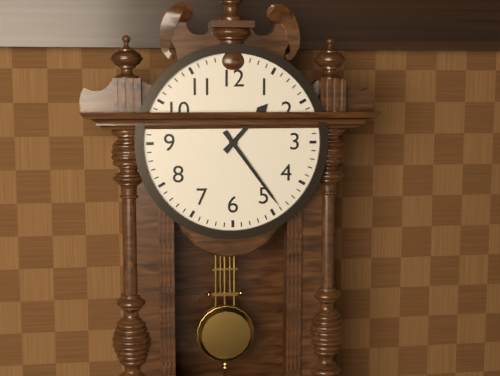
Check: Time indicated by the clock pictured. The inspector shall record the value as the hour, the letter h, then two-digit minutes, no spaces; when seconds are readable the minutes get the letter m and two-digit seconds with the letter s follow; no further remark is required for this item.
1h24
